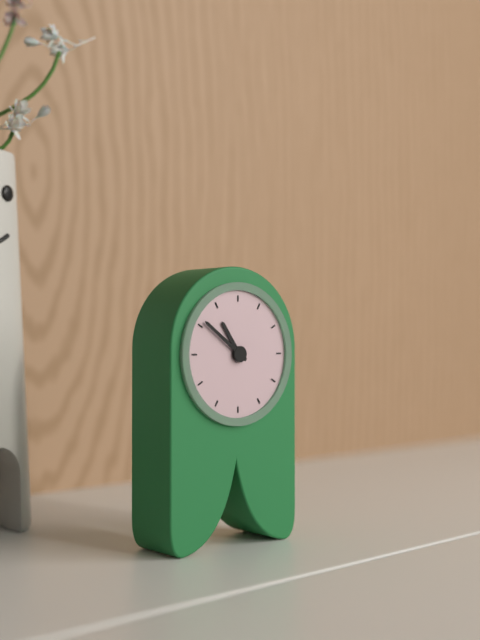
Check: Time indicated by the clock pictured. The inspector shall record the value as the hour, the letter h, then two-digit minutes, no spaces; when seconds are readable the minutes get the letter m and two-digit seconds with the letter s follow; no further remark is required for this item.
10h51
